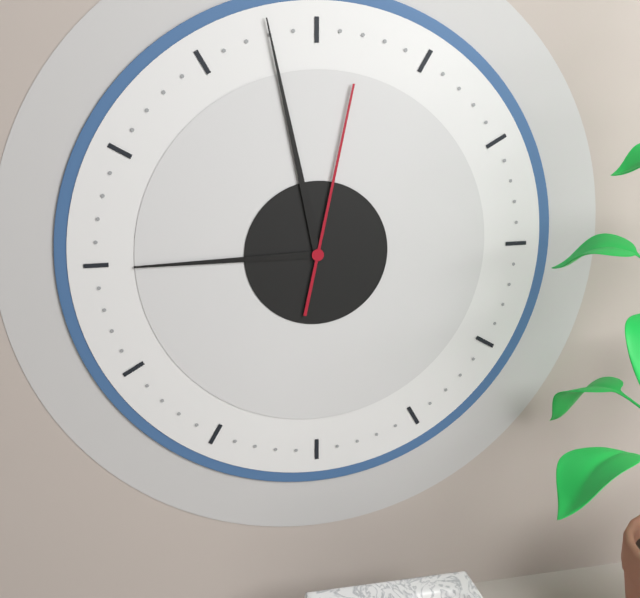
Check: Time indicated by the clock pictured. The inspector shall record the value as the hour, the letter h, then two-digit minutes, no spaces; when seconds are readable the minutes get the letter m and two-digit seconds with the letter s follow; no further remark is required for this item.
8h58m02s
